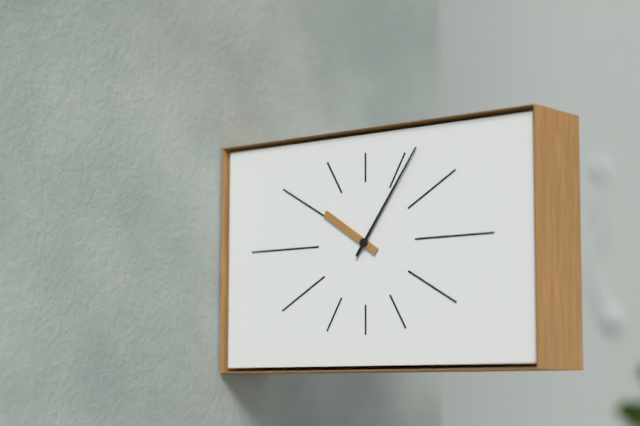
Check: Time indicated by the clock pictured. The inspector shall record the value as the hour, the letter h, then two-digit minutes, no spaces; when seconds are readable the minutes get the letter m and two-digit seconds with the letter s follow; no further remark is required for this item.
10h06
